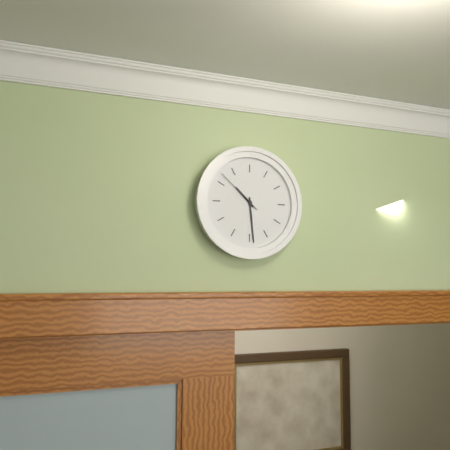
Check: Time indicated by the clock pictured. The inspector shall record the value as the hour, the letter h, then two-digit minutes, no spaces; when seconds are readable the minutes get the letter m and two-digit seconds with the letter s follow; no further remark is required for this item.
10h29m52s
